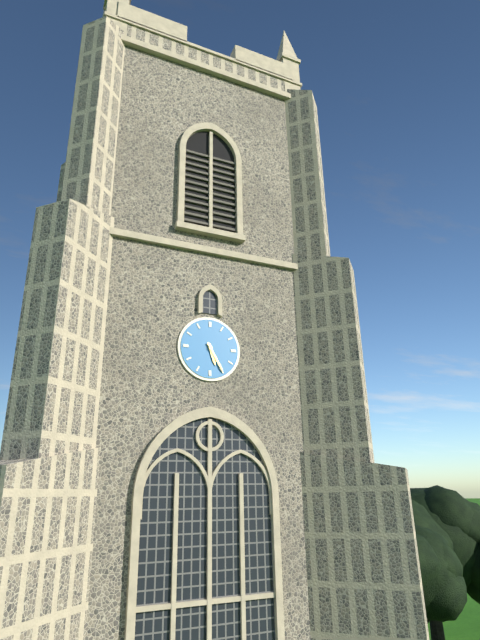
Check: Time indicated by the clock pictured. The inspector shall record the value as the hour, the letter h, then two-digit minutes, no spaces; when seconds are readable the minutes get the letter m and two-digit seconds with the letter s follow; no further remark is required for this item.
5h25
